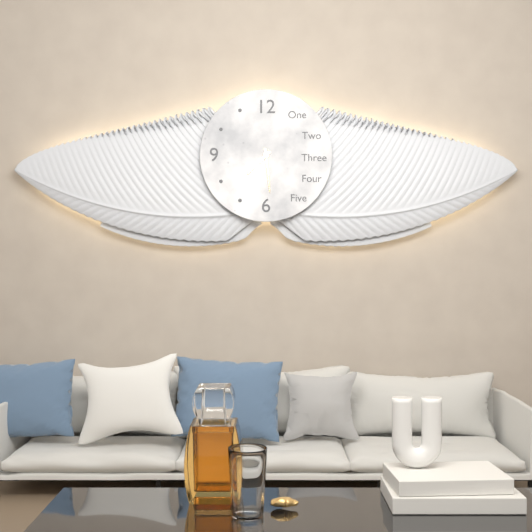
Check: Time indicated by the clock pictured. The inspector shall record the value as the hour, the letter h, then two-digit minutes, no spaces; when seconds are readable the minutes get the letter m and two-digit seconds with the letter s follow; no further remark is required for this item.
7h29
